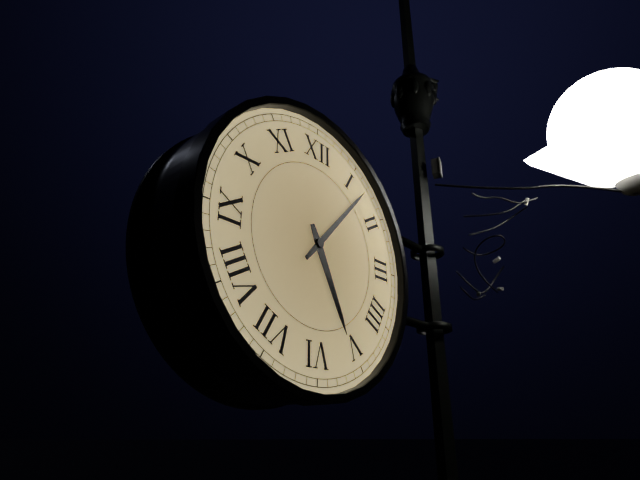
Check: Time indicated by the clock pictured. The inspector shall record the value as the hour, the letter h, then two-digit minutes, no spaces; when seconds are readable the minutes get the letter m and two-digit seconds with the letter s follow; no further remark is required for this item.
5h07
